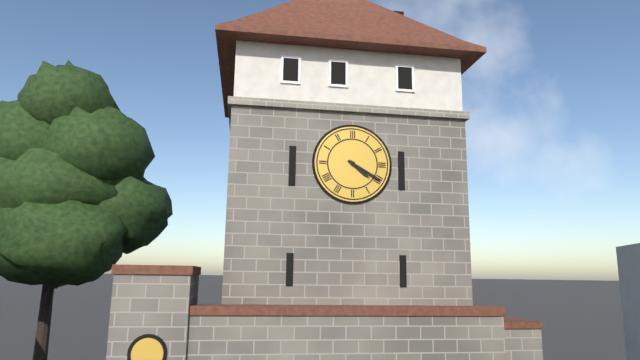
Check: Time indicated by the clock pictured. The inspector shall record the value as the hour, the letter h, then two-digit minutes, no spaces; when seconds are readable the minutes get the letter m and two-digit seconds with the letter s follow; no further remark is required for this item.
4h20
